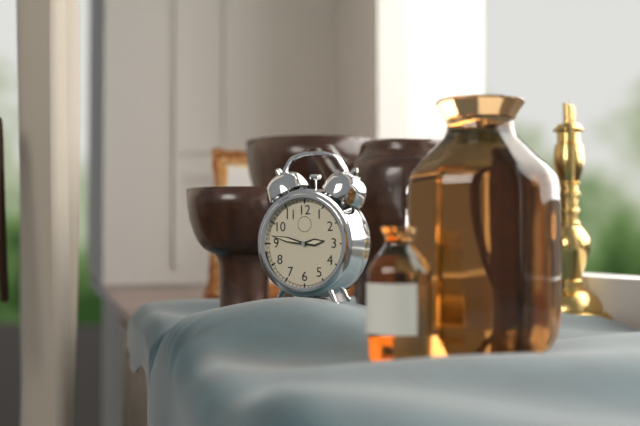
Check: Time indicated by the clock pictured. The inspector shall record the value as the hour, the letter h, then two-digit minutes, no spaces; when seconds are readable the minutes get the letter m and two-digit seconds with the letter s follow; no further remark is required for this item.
2h47
